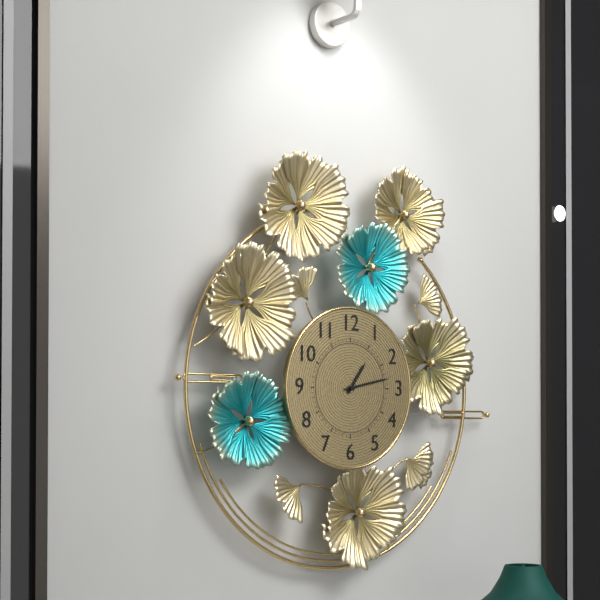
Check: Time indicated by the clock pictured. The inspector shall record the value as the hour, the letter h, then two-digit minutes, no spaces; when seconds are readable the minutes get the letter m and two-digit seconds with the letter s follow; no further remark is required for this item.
1h13
